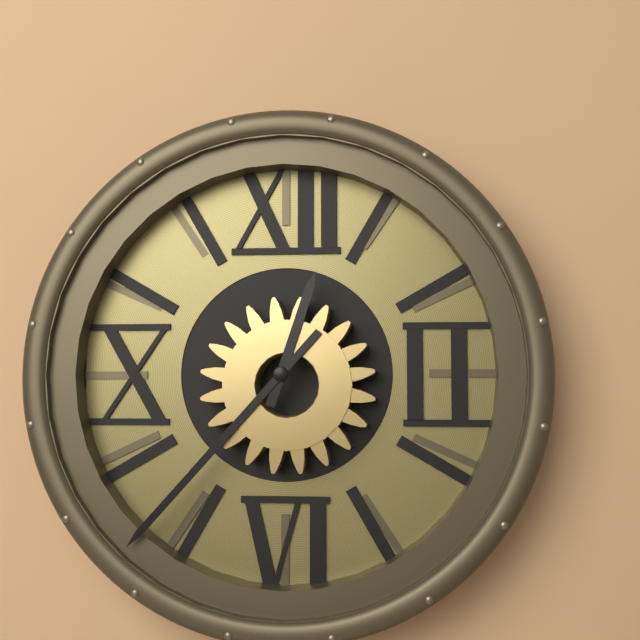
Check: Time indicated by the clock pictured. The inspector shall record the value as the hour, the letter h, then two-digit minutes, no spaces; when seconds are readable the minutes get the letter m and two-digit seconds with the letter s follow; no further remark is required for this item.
12h37
